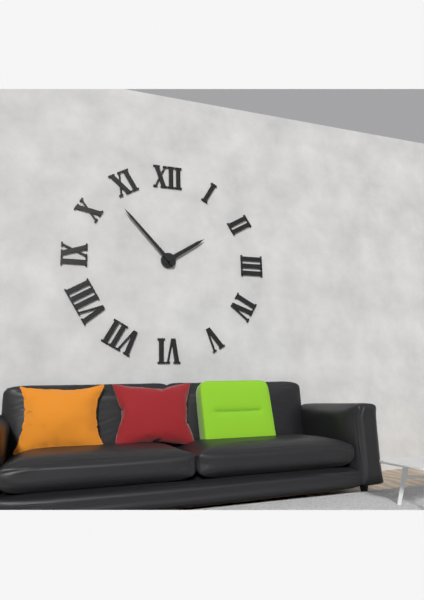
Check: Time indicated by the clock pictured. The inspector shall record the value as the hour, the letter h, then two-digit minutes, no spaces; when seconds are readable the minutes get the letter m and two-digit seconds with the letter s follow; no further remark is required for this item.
1h53
